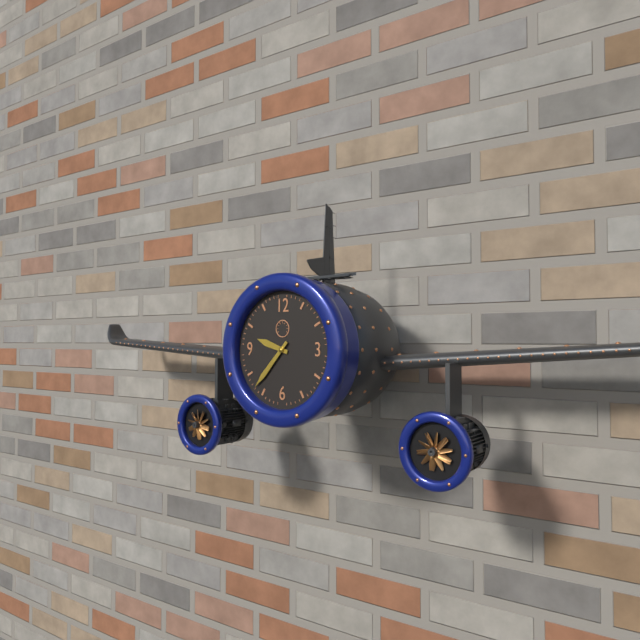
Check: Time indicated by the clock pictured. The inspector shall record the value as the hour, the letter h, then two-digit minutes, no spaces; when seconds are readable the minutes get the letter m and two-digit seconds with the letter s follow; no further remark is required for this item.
9h37
